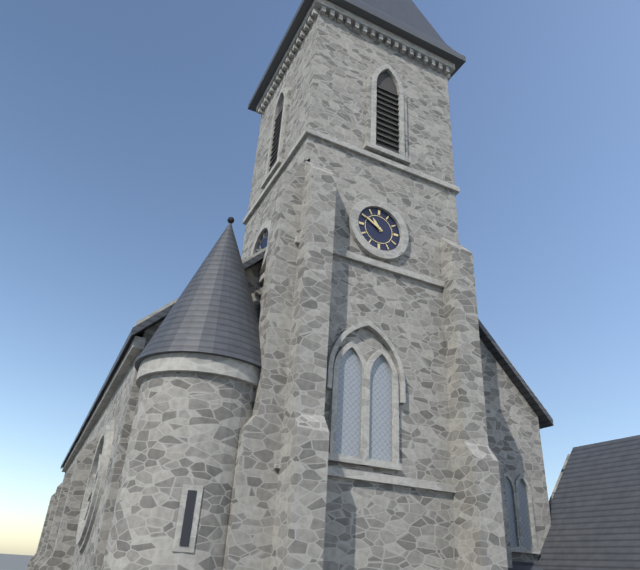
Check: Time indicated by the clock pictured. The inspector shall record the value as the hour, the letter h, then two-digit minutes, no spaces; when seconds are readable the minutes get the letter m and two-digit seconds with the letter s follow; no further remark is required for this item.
10h50
